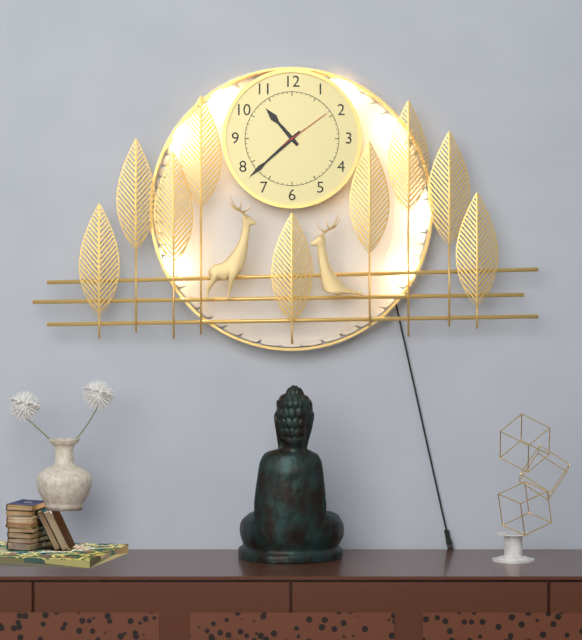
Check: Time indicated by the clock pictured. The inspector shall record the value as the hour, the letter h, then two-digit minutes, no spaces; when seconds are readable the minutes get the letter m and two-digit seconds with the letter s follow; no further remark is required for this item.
10h38m09s
